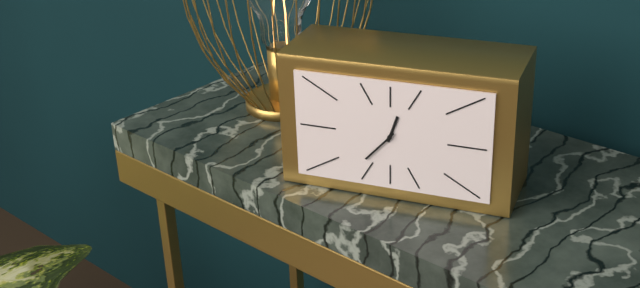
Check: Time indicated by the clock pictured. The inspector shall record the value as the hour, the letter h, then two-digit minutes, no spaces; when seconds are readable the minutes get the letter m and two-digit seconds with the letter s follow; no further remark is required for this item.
12h37
